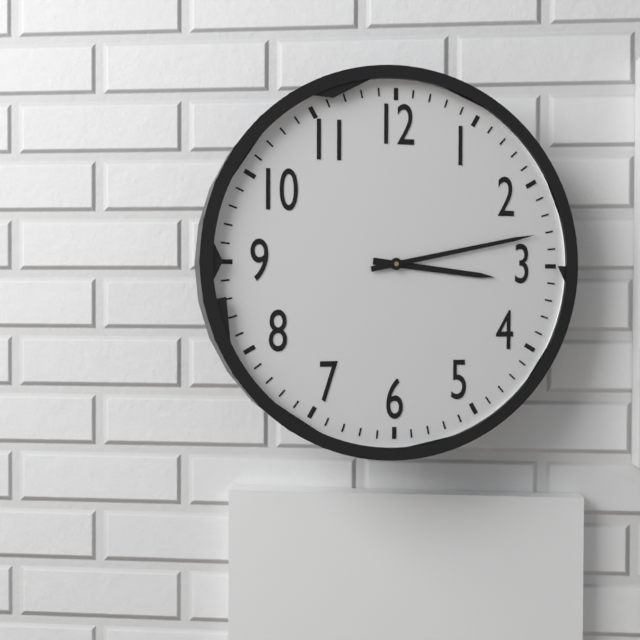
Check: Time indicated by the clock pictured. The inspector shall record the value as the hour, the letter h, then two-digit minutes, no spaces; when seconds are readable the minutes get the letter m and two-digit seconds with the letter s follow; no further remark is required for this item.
3h13
